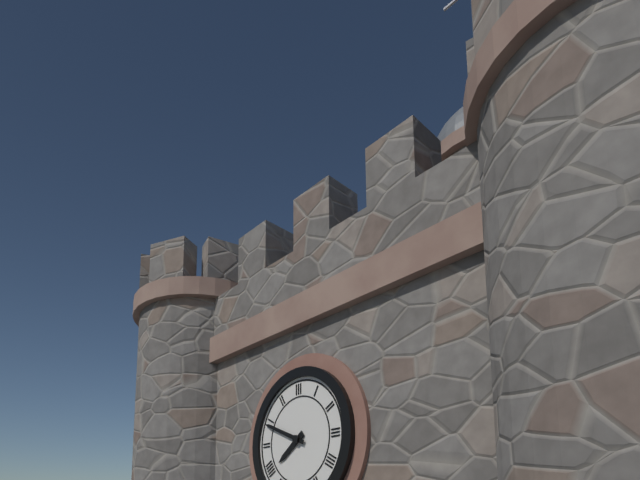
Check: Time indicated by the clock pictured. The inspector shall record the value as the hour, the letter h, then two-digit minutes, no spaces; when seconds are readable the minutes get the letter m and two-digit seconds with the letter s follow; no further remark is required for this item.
7h49
